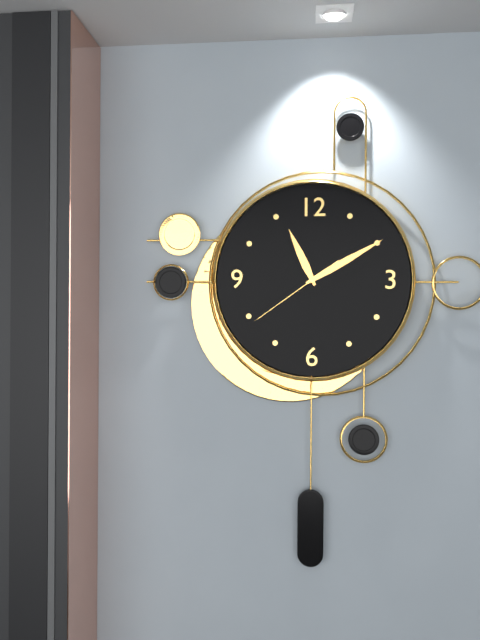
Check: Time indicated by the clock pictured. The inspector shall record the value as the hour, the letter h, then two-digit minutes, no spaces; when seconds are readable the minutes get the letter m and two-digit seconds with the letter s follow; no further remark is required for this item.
11h10m39s
